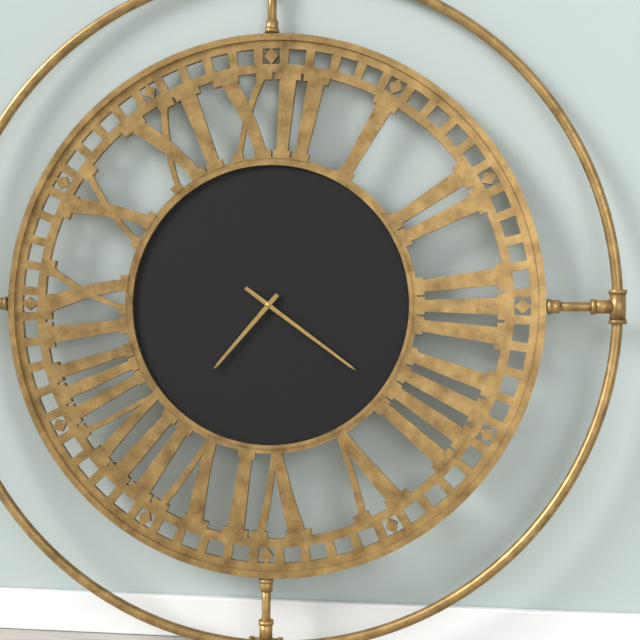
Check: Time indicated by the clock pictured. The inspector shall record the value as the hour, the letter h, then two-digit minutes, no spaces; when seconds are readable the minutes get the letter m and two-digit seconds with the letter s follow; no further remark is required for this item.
7h21
